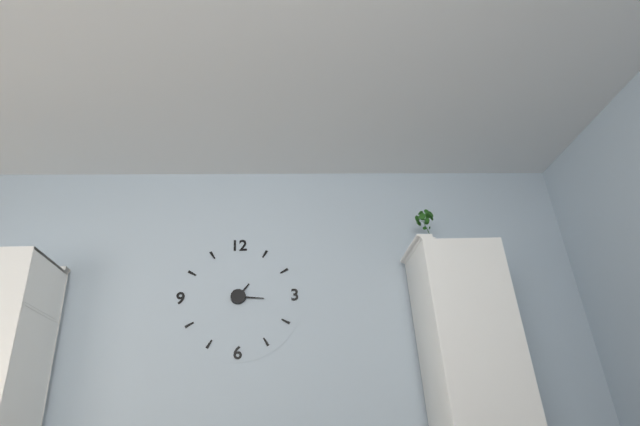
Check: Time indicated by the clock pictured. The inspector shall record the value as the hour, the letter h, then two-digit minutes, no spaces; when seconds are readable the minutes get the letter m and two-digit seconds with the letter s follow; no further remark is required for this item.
1h16
